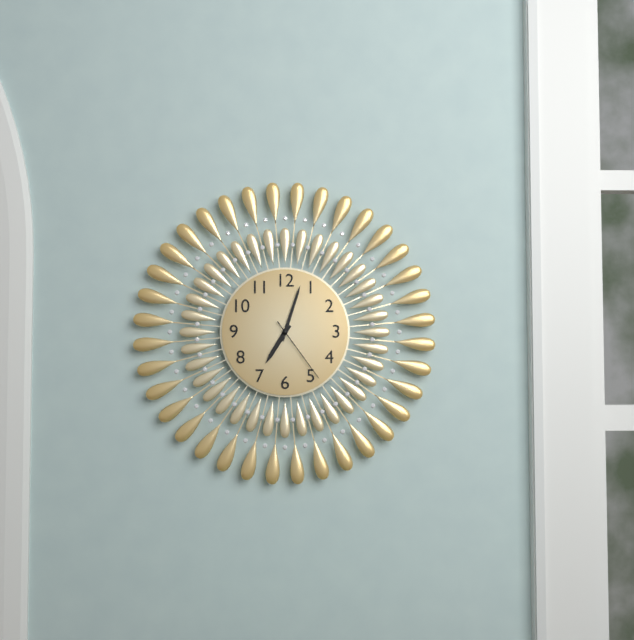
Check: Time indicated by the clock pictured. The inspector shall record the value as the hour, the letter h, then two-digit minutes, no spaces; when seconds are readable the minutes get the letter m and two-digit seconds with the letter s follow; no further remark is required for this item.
7h03m24s
